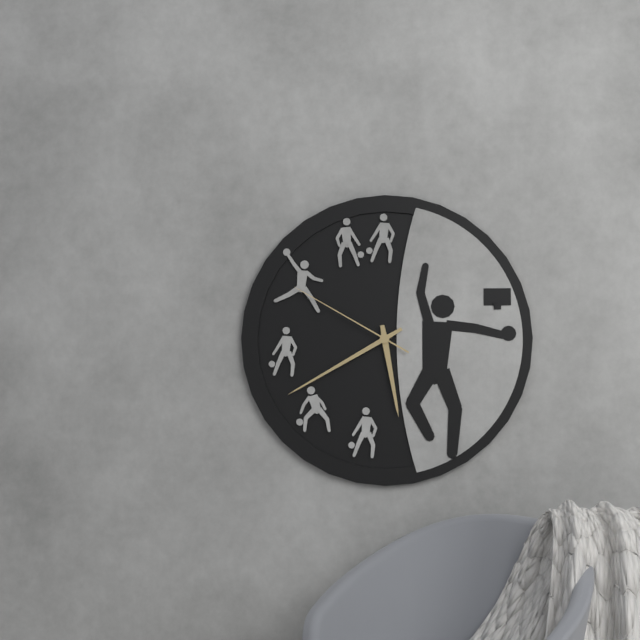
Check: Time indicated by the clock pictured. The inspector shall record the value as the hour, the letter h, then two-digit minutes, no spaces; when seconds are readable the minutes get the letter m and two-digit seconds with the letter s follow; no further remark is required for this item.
5h40m50s
